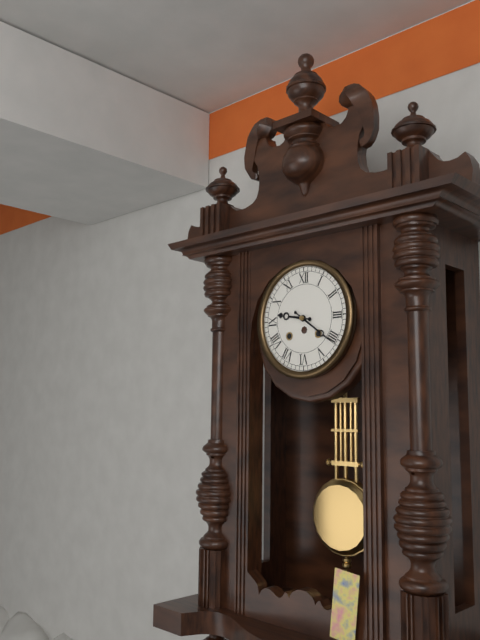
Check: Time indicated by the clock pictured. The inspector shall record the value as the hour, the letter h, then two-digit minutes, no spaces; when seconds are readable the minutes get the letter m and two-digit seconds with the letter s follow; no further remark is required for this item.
9h21
